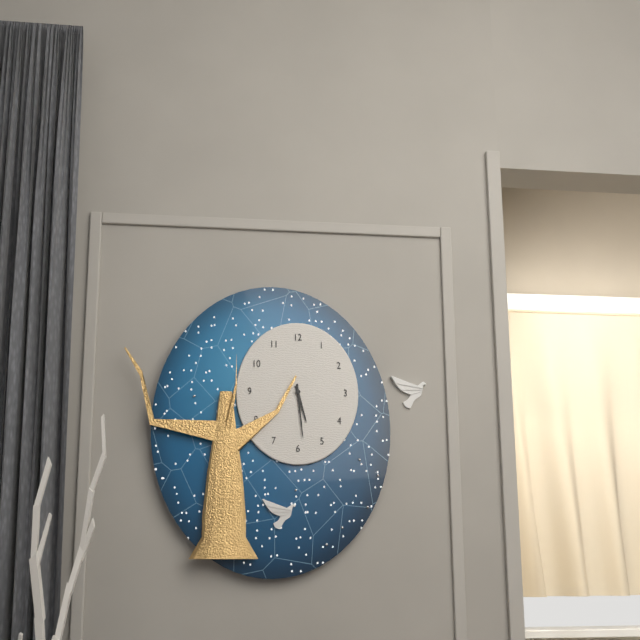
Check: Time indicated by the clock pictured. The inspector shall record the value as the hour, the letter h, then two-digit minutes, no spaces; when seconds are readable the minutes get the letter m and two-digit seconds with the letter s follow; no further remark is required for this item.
5h29
